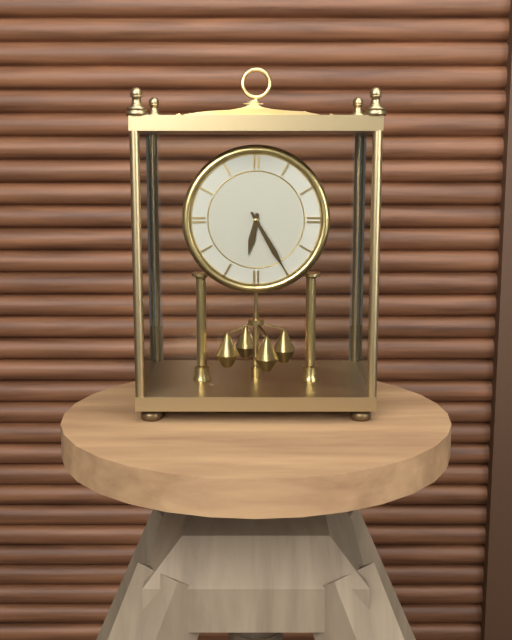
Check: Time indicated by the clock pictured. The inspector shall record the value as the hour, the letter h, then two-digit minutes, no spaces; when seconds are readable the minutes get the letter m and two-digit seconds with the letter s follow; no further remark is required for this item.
6h25
